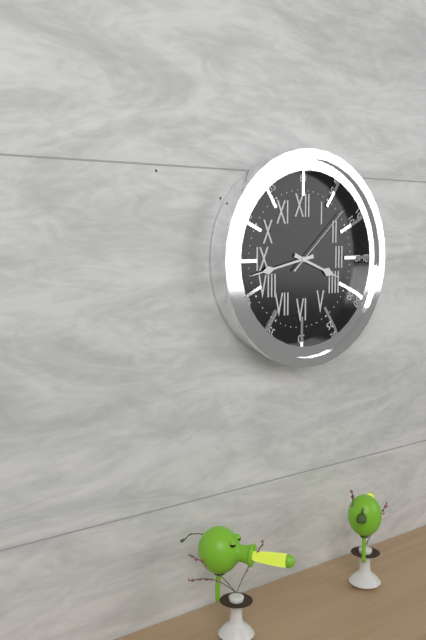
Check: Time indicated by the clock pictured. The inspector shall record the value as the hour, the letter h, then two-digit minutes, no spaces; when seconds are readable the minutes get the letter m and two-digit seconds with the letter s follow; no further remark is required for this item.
3h43m08s
